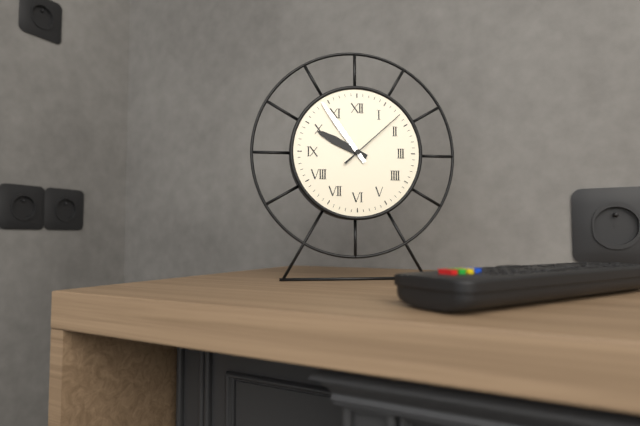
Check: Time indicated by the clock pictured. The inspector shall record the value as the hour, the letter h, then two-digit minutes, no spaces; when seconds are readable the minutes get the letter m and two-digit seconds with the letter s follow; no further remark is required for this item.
9h54m08s
